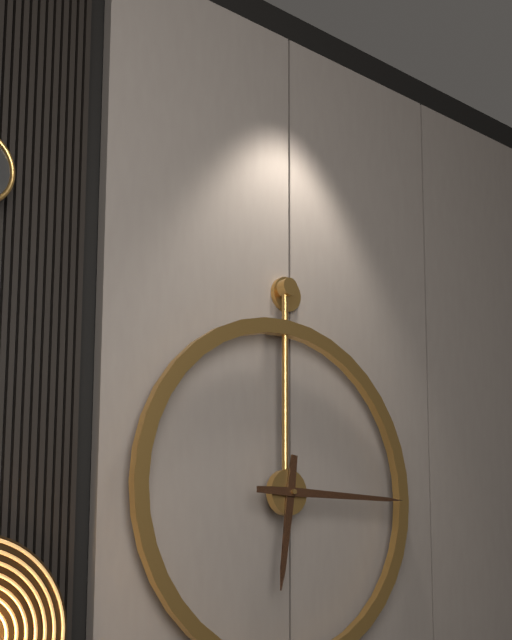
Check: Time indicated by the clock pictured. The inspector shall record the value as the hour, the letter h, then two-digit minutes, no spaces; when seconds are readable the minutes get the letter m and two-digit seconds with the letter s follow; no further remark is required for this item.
6h15
